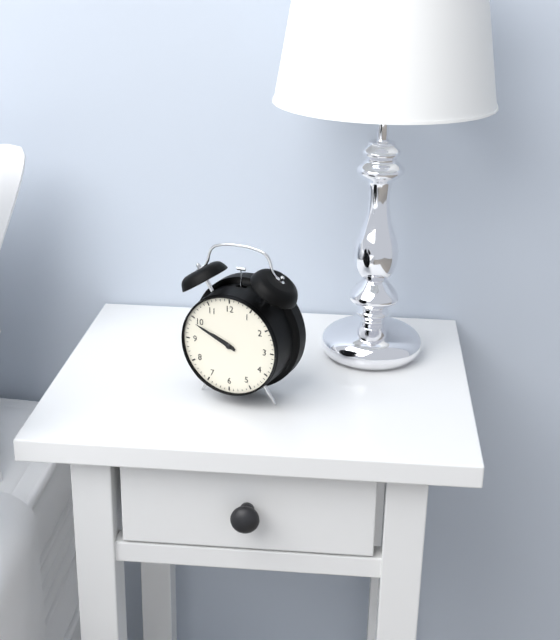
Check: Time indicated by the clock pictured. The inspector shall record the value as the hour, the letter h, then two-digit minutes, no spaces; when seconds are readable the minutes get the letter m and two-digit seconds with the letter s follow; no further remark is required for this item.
9h49
